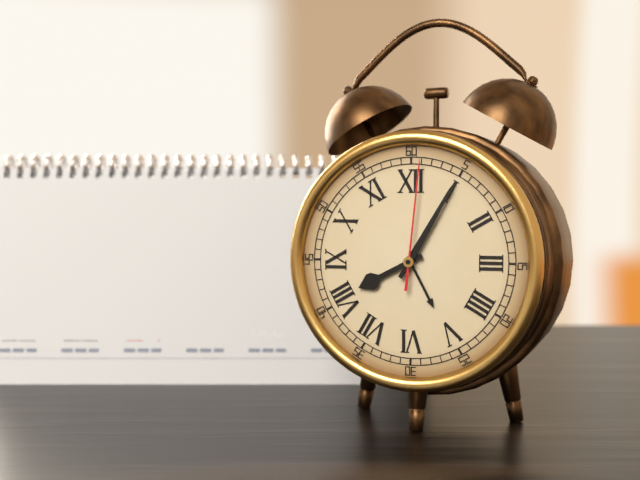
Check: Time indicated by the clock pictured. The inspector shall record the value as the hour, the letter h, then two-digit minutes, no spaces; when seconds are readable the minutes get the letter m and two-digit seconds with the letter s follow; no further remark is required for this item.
8h05m01s
